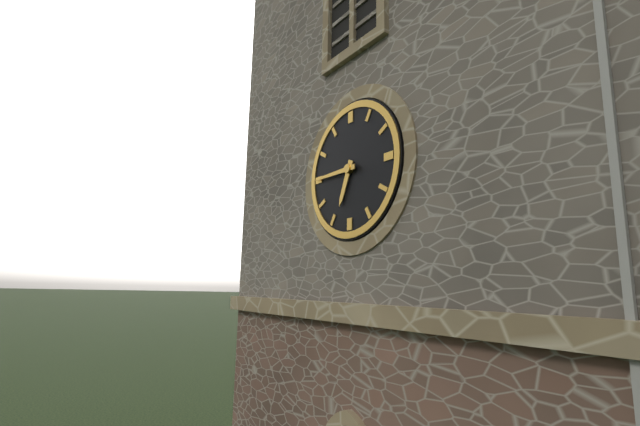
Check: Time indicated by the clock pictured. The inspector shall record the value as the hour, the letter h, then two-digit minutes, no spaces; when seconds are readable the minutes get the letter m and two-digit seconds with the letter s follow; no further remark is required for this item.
6h45
